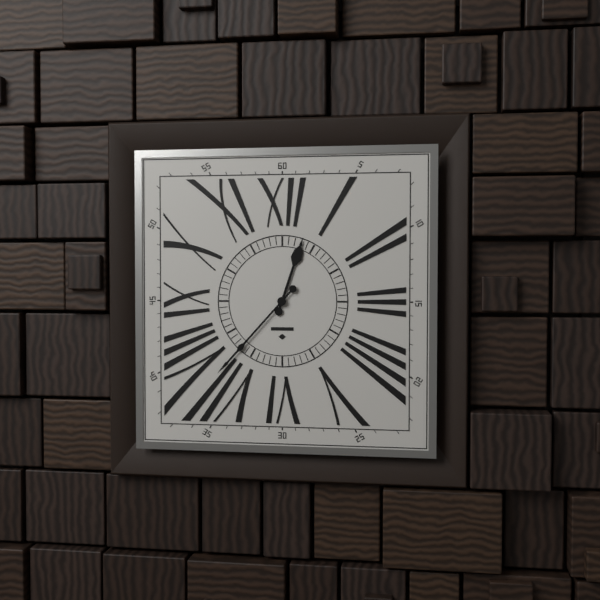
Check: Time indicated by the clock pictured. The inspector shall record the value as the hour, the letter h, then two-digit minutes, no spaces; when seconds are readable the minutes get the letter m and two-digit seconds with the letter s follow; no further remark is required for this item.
12h37
